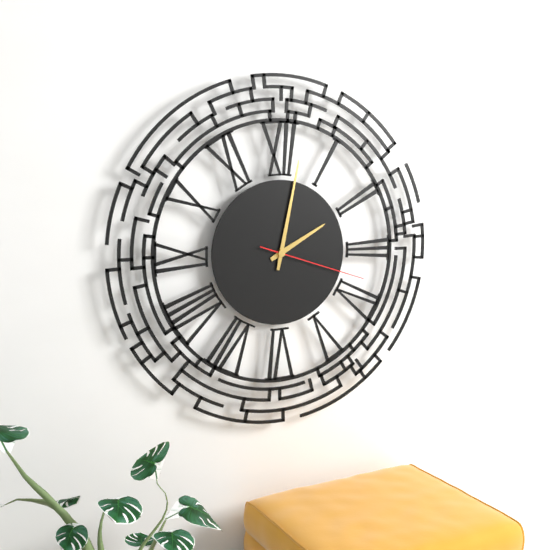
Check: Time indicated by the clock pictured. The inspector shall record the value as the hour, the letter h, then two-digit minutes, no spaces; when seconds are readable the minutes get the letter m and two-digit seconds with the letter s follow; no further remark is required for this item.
2h02m18s
